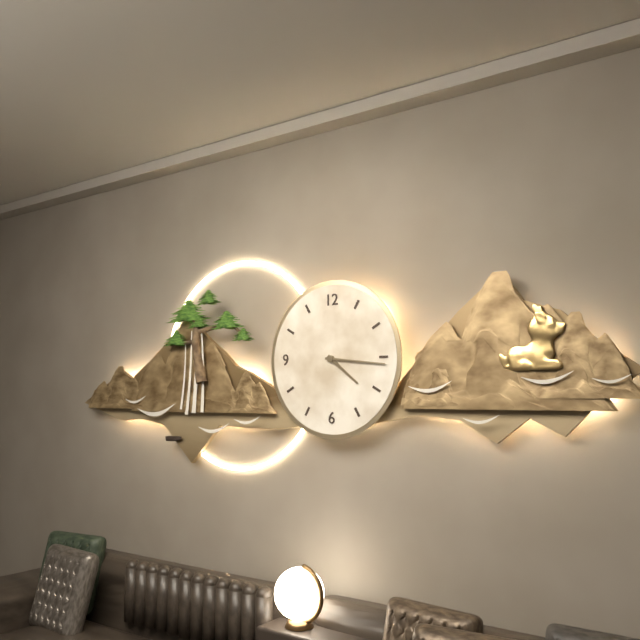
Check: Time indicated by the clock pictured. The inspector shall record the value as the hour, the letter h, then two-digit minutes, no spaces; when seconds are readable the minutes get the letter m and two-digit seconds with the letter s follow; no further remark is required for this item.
4h16
